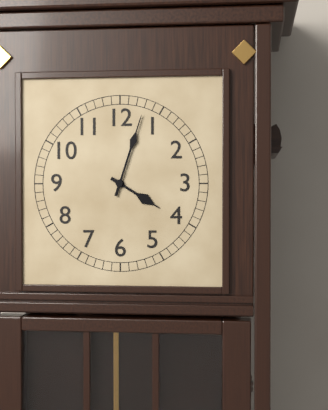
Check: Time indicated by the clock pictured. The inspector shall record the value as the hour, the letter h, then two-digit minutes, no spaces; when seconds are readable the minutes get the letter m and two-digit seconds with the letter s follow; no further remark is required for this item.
4h03
